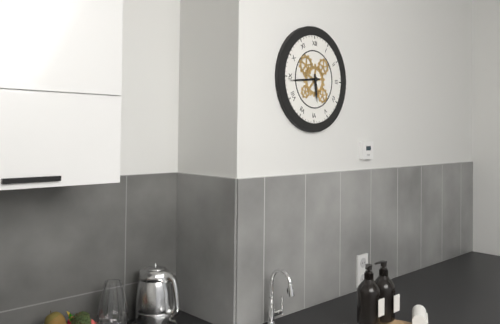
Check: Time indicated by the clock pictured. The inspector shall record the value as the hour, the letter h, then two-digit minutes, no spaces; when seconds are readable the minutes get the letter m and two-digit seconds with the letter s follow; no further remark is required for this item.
5h44
